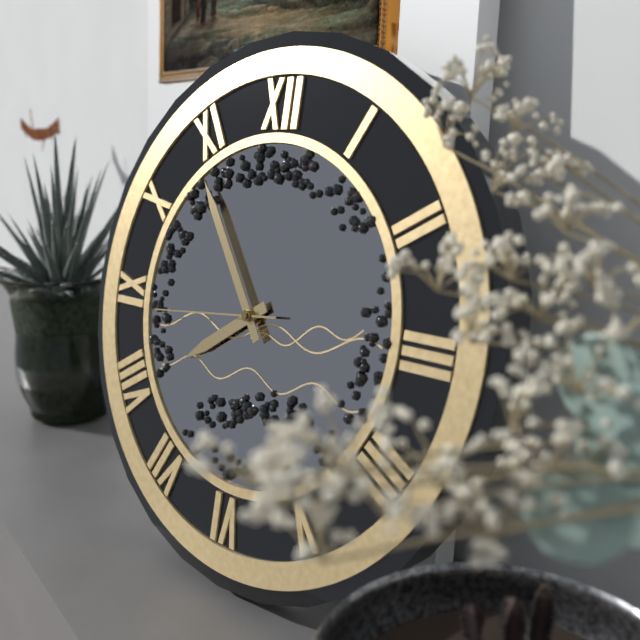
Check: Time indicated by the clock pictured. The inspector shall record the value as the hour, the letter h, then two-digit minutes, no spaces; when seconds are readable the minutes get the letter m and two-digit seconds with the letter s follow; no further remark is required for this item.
7h54m44s
